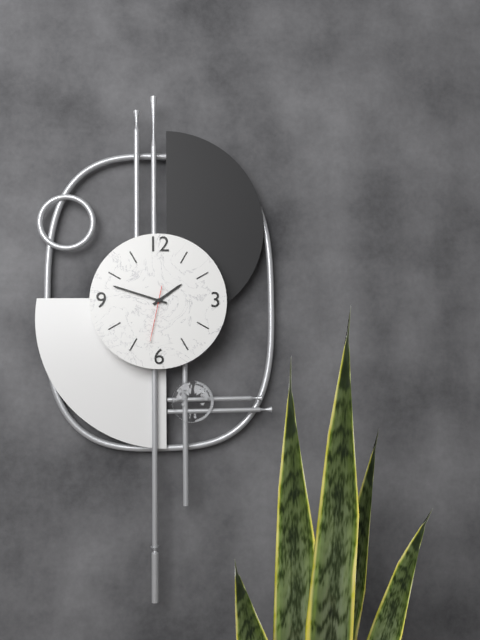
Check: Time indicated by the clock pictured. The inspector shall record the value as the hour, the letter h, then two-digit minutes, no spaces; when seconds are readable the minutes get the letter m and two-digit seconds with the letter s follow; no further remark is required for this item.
1h48m32s
